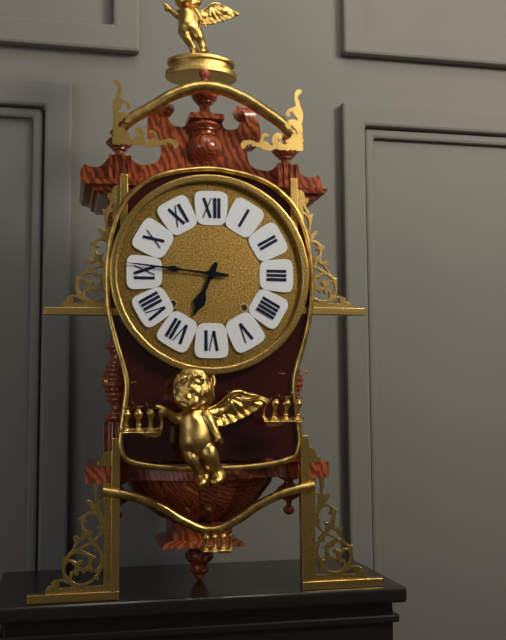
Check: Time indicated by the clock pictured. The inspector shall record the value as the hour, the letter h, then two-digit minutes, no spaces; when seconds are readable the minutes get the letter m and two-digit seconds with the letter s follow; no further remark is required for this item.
6h46
